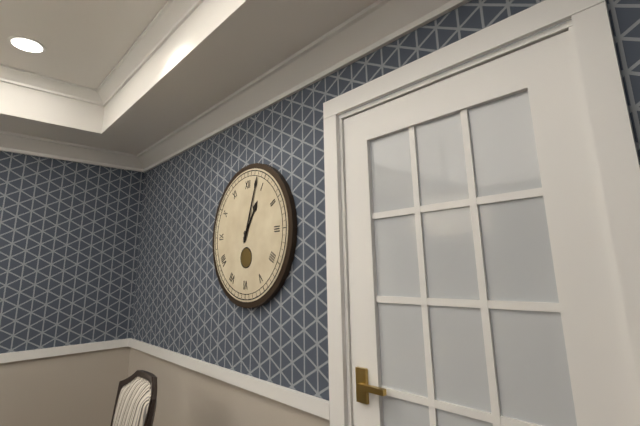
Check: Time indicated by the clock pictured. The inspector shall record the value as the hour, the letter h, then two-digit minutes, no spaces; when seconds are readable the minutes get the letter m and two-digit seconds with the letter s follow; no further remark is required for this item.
1h03
